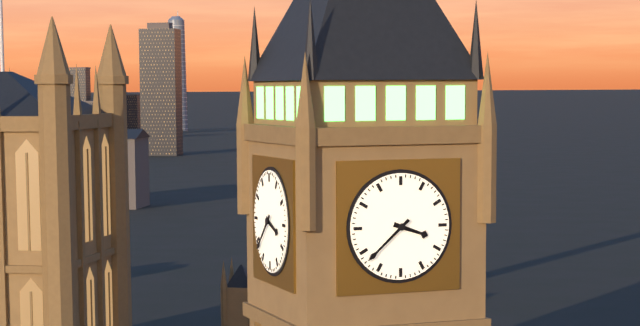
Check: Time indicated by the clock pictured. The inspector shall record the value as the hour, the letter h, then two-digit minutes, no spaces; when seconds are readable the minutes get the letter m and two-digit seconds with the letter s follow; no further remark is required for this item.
3h38
